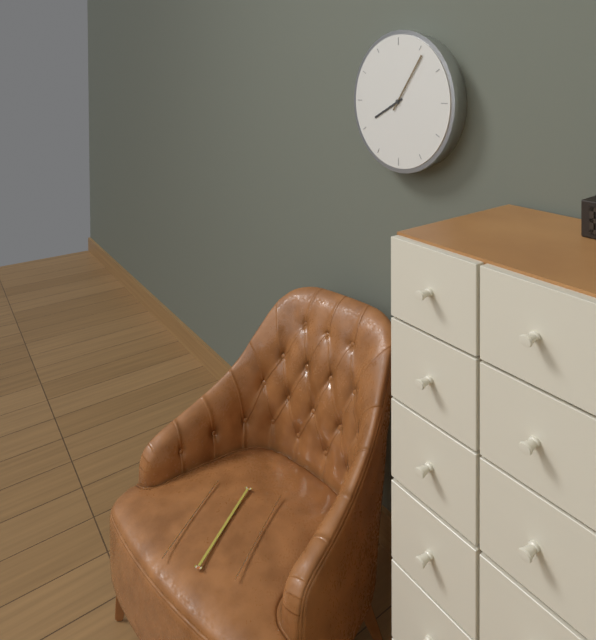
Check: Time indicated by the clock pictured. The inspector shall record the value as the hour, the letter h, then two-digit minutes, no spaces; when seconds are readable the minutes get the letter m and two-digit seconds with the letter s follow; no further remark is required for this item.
8h06
